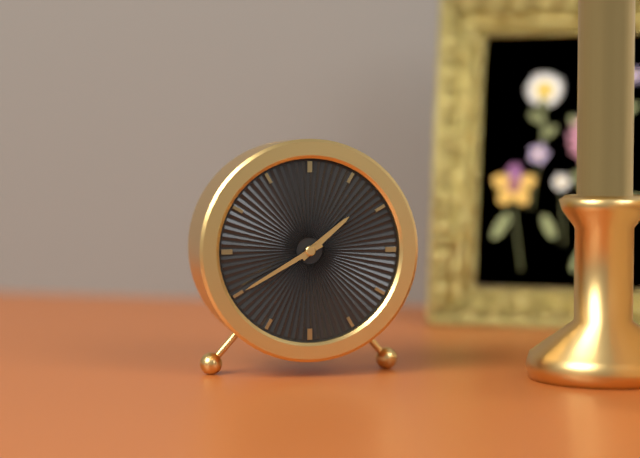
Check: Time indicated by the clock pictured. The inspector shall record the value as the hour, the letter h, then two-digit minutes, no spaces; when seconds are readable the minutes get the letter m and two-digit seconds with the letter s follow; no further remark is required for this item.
1h40
